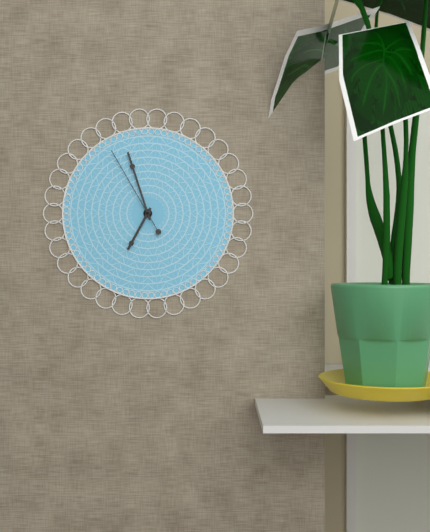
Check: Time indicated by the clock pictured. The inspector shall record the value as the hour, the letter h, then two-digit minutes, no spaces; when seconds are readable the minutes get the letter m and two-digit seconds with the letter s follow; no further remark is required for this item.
6h57m55s
